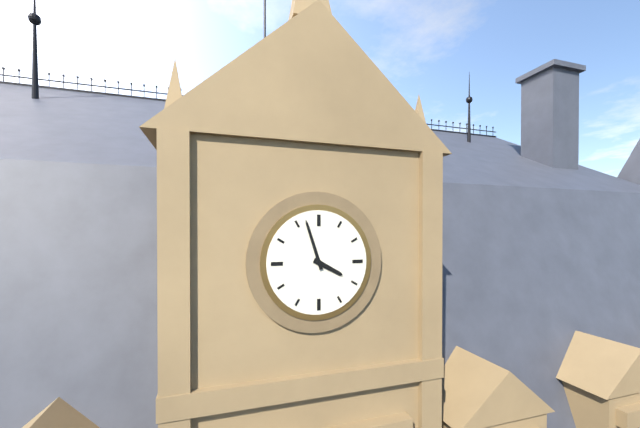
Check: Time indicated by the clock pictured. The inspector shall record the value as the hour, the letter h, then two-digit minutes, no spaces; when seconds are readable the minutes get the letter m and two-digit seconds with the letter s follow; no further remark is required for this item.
3h57
